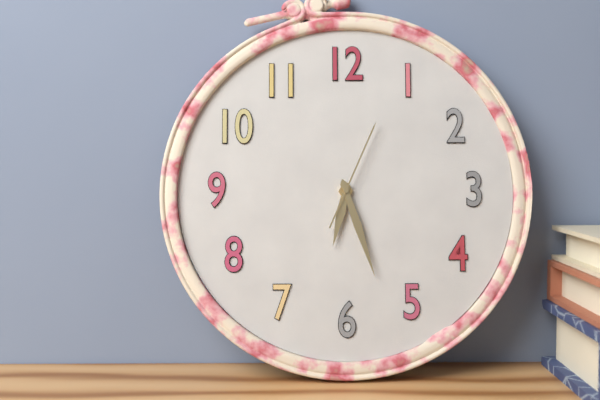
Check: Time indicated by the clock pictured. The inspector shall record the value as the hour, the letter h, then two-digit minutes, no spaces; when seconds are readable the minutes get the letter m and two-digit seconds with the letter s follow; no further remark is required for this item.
6h27m04s
